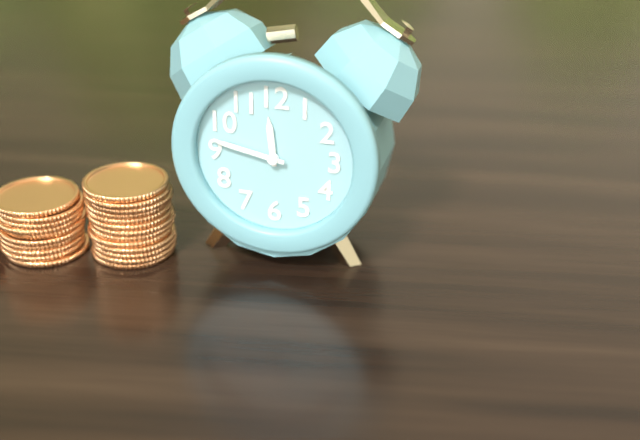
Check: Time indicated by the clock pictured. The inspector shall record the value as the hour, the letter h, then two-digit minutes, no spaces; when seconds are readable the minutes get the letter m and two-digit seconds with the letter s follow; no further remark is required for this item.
11h47
